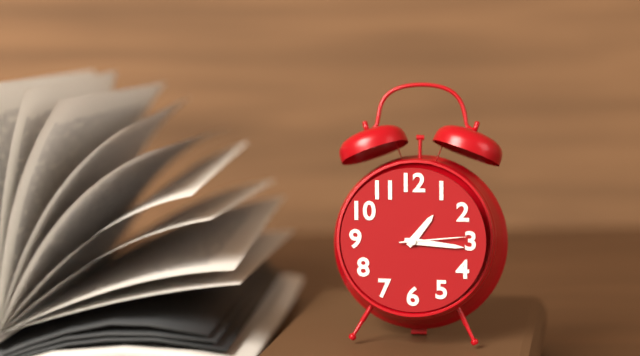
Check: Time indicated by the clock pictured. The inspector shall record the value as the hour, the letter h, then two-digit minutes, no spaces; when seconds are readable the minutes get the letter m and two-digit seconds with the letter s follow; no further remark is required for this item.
1h16m14s
